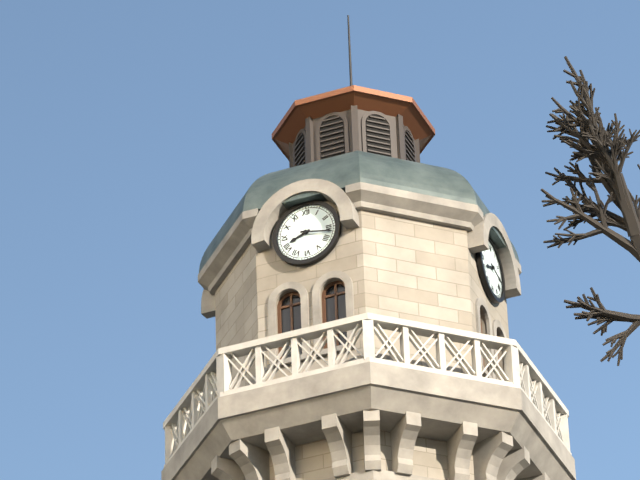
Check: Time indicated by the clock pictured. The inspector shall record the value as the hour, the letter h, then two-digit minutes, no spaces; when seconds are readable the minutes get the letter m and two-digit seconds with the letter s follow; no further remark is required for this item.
8h17
